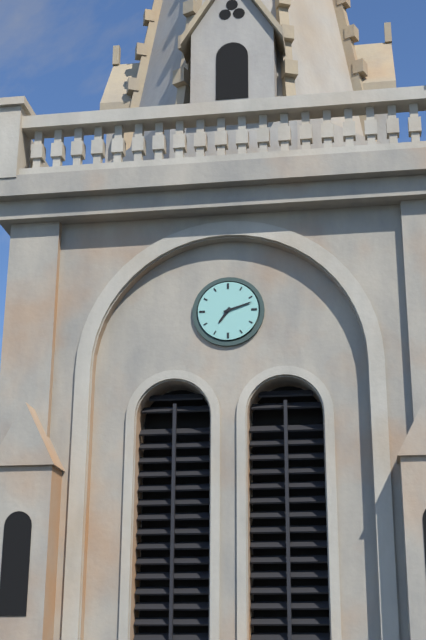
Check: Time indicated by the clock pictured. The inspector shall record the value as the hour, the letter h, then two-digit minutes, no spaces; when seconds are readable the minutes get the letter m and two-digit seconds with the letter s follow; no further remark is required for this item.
7h12
